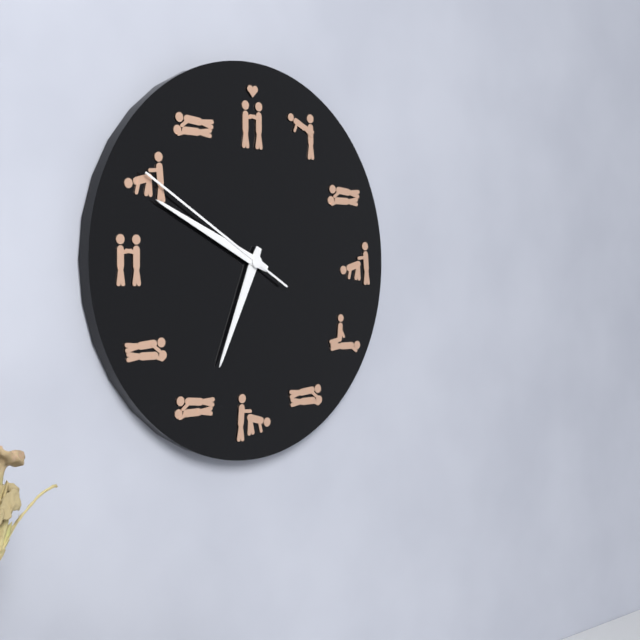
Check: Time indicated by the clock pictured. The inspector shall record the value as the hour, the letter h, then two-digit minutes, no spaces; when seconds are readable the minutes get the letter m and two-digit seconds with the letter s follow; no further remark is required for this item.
6h49m50s
